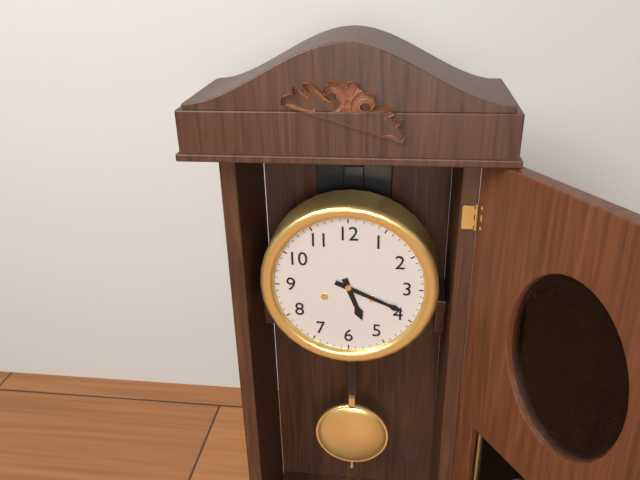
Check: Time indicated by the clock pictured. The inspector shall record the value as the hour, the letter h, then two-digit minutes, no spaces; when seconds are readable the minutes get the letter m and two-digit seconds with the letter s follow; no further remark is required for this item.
5h19
